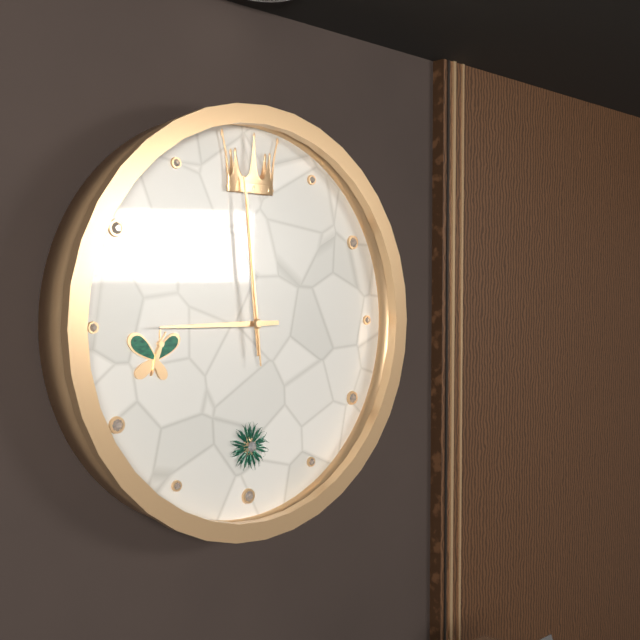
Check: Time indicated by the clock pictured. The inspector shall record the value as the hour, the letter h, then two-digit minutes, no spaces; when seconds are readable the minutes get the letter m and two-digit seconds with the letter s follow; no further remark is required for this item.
8h59m59s
